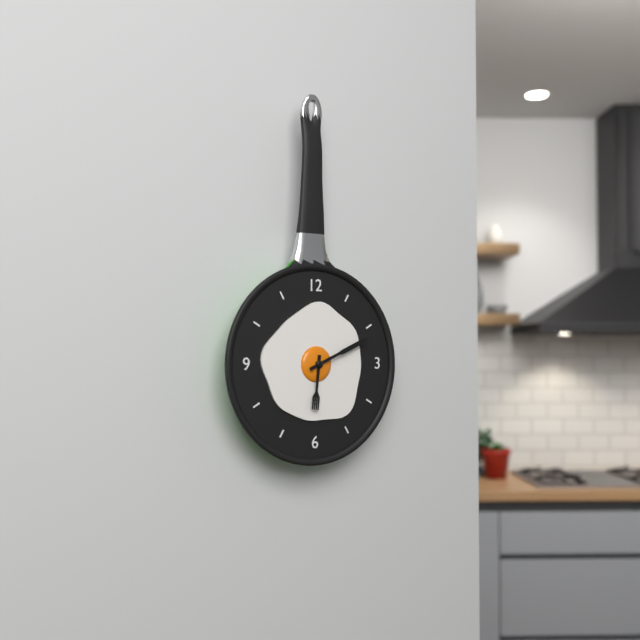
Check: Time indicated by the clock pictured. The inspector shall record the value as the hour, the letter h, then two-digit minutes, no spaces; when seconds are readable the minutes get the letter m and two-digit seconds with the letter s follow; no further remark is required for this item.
6h11
